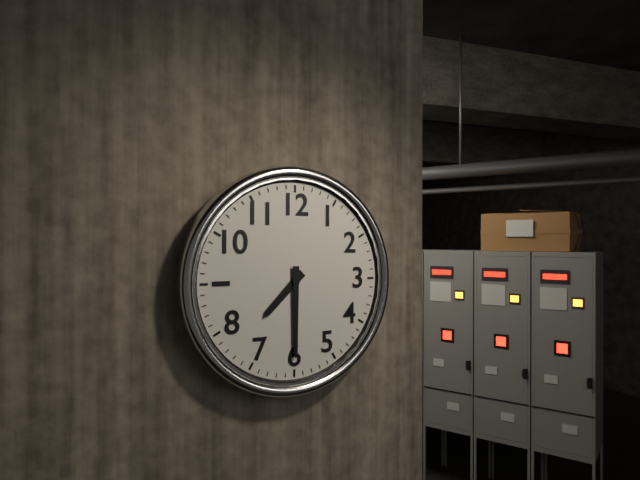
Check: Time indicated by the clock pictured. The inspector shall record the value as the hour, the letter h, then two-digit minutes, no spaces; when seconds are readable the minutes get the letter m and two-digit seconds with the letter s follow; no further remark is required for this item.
7h30
